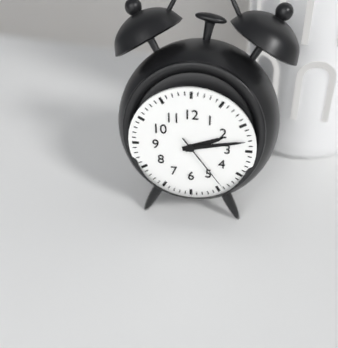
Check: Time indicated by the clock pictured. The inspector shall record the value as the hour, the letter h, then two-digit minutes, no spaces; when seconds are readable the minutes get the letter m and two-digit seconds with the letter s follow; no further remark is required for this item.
2h13m24s
